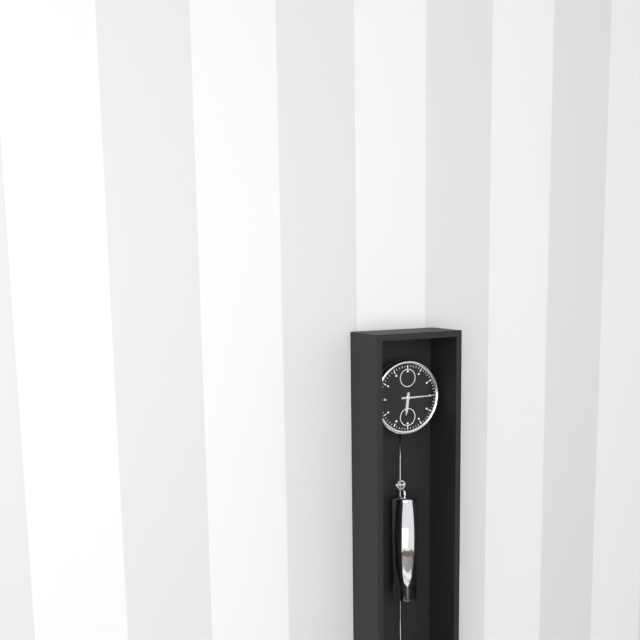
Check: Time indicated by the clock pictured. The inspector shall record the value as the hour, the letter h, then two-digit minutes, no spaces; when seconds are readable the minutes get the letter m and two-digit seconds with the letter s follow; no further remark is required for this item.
6h15
